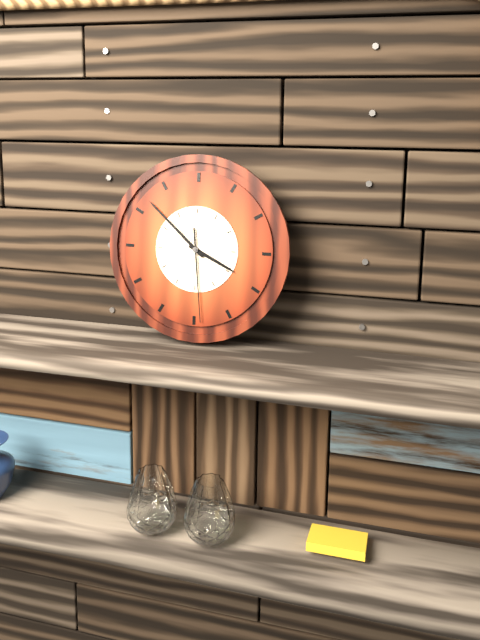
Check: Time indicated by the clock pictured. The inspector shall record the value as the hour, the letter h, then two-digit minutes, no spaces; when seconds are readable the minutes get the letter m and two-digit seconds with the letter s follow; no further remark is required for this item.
3h52m29s
